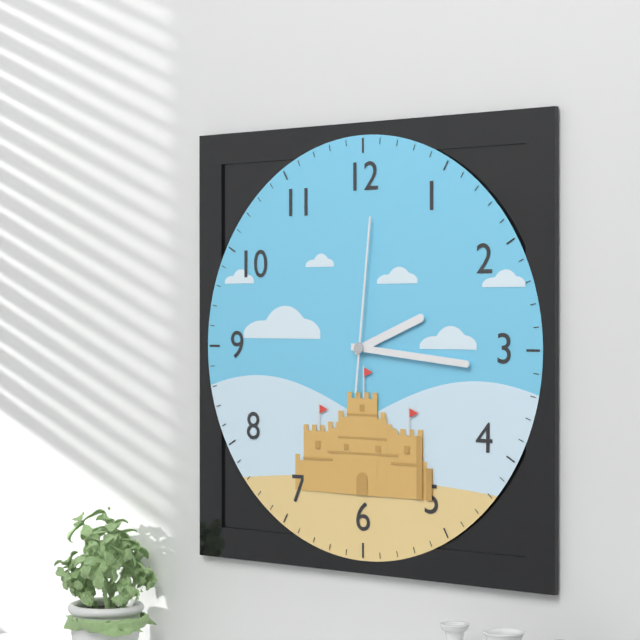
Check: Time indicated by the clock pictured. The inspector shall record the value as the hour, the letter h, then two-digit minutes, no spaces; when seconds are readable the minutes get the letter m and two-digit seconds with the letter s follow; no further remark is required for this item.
2h16m01s
